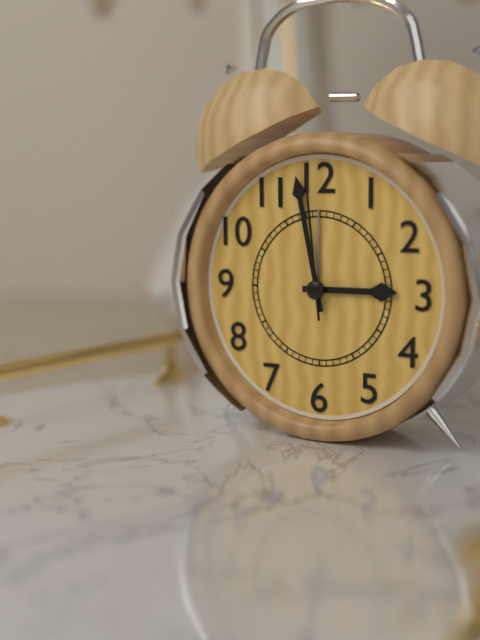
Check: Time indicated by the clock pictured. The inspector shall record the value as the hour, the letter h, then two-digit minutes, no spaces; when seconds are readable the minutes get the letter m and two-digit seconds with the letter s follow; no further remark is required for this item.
2h58m59s
